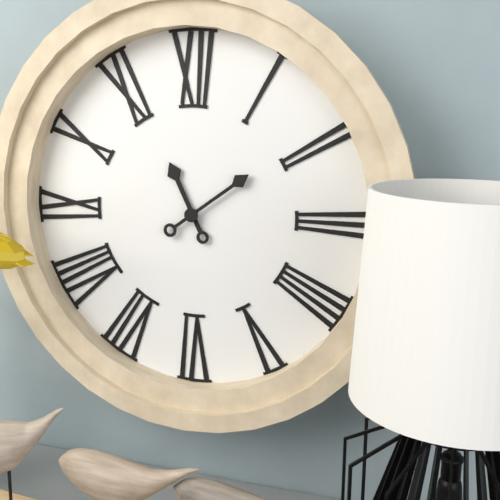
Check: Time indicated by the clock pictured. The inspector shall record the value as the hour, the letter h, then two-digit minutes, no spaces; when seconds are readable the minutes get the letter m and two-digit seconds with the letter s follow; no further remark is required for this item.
11h09
